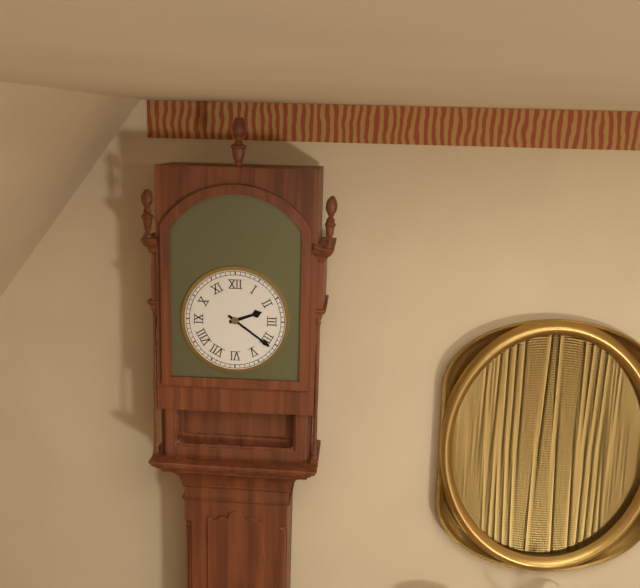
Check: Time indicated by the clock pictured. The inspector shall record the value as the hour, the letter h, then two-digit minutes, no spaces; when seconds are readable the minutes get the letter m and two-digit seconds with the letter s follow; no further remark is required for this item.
2h21
